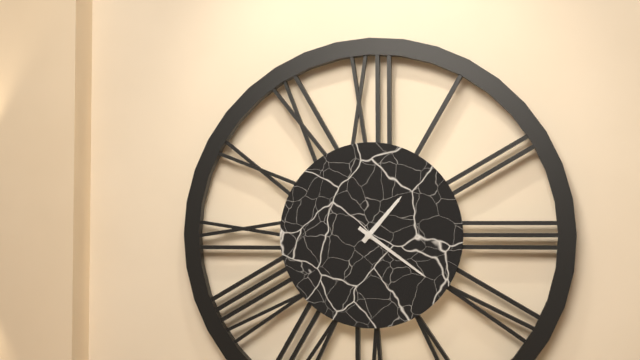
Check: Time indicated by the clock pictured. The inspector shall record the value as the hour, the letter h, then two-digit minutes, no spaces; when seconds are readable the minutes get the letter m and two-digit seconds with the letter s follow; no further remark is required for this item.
1h21
